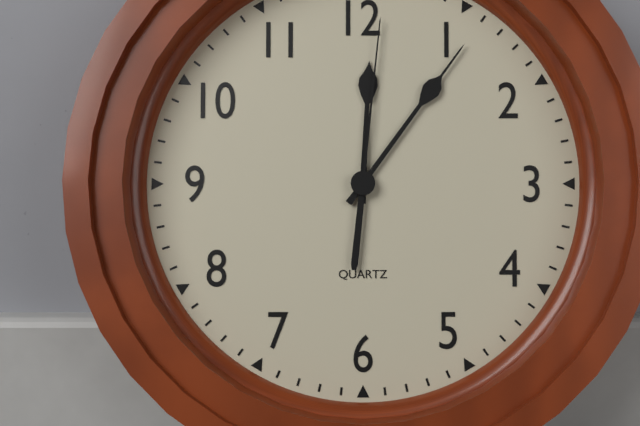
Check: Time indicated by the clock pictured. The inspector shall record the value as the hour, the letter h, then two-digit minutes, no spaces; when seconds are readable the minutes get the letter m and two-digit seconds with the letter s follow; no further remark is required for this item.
12h06m01s
